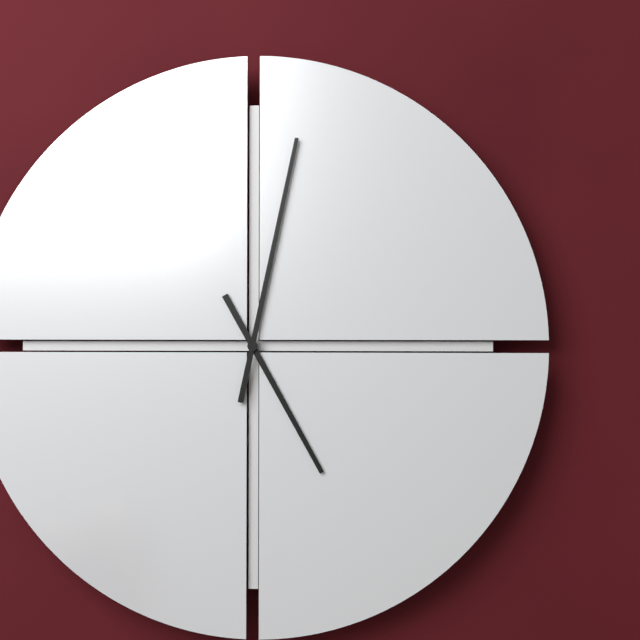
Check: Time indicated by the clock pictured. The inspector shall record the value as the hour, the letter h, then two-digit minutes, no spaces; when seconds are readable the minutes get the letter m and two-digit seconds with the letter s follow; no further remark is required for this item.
5h02
